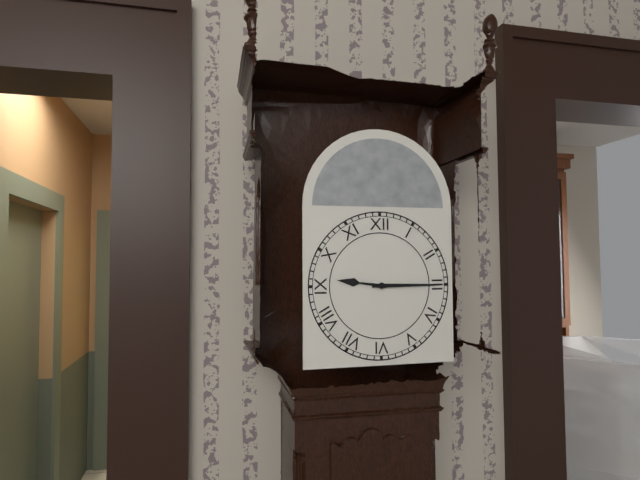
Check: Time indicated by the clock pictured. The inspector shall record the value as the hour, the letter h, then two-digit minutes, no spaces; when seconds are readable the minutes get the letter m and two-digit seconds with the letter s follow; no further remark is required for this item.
9h15
